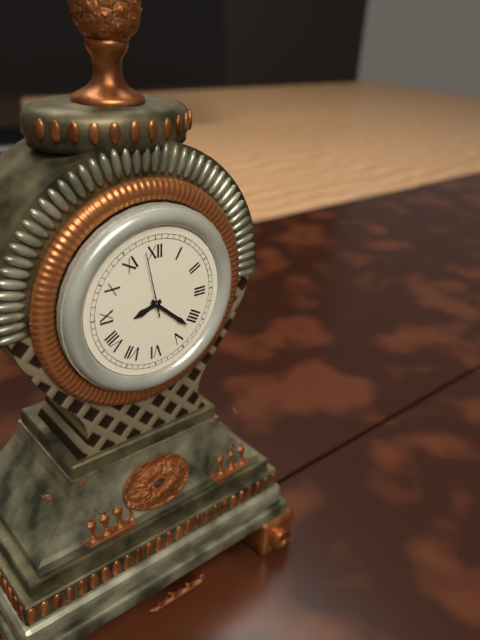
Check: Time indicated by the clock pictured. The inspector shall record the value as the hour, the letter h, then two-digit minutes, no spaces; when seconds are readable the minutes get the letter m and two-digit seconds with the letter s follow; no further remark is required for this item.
8h22m58s
